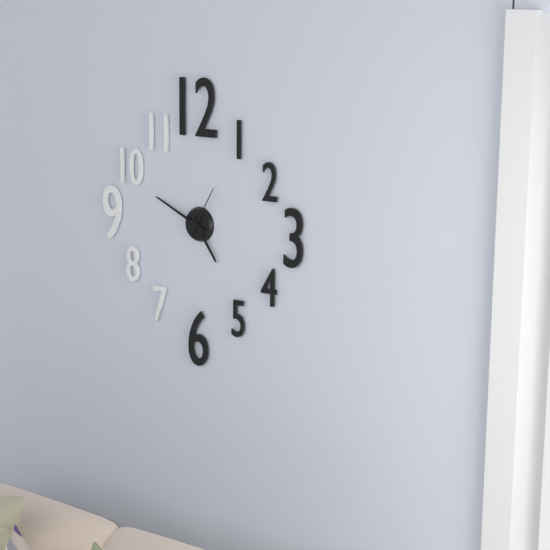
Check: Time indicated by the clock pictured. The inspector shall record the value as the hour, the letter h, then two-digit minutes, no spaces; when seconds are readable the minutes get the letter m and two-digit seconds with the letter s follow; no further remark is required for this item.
4h49m05s
